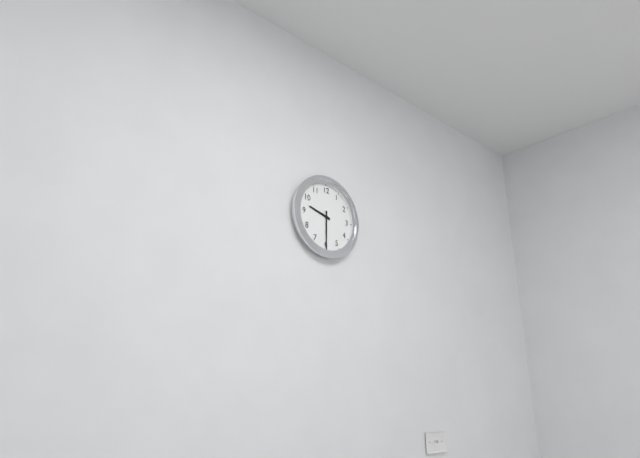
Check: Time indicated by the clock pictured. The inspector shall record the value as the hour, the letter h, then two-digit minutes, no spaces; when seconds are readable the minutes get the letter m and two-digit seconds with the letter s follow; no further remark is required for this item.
9h30
